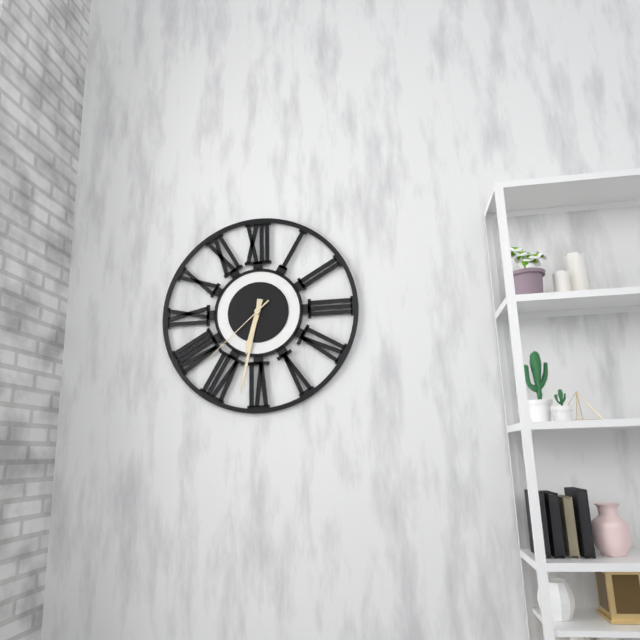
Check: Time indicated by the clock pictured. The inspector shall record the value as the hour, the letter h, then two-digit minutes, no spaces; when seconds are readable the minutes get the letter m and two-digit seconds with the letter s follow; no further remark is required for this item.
6h32m38s
